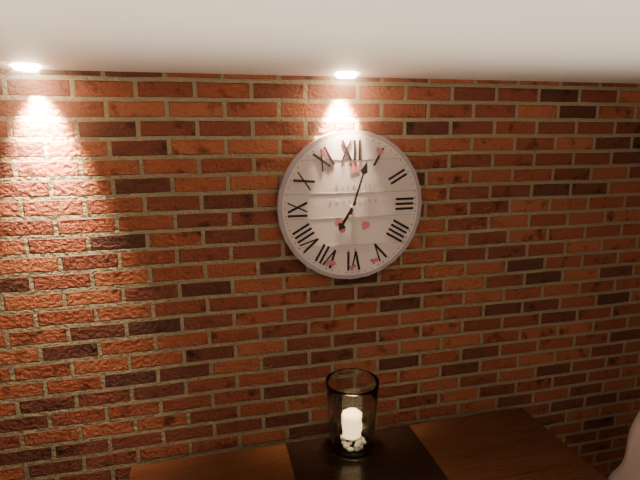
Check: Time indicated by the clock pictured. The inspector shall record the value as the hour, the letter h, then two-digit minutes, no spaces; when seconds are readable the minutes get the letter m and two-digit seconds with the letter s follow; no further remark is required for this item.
7h03
